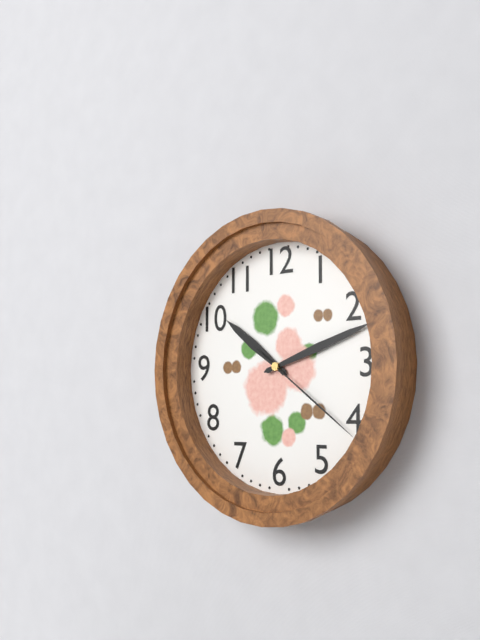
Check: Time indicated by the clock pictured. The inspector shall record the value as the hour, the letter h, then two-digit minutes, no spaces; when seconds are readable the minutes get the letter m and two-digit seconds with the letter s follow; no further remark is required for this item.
10h12m21s
